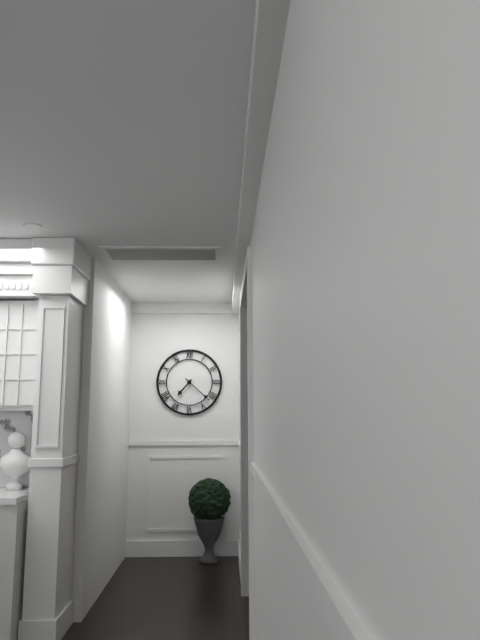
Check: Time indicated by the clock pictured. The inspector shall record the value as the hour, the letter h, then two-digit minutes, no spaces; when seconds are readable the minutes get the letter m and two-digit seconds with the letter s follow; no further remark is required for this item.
7h22
